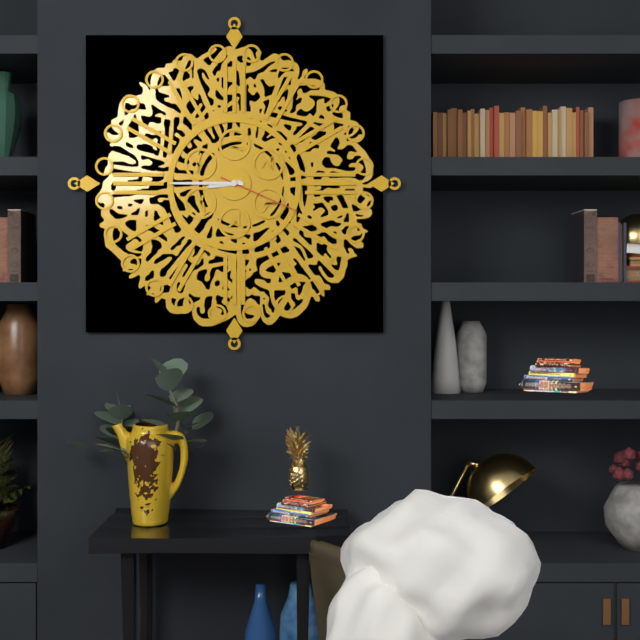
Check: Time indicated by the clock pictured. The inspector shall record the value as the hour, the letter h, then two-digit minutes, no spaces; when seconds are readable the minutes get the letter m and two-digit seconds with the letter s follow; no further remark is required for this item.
8h45m19s
